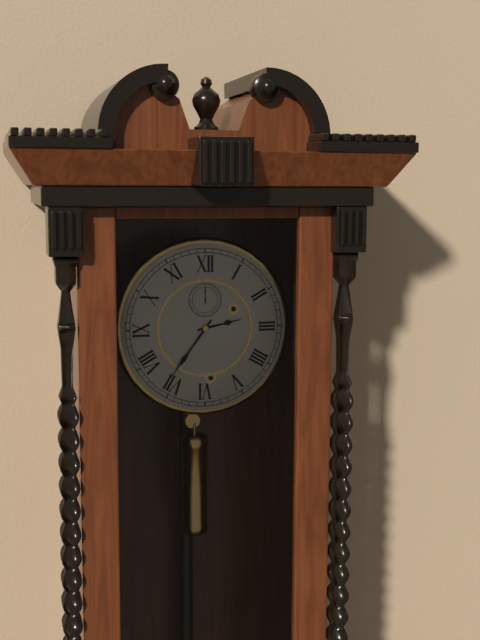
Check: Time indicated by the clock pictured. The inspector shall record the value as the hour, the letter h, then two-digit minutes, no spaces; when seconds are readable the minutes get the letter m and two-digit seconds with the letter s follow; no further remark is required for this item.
2h36
